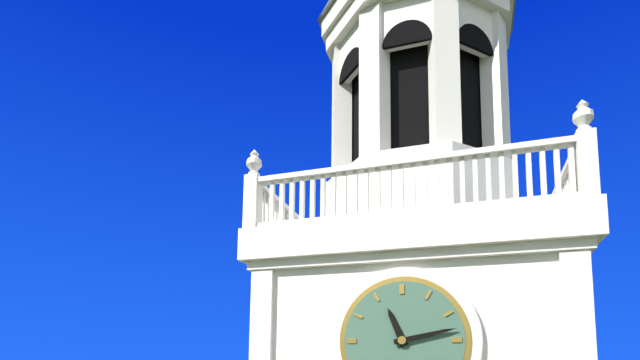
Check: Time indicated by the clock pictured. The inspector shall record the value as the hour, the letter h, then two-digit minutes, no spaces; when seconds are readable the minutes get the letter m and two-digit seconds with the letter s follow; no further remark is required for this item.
11h13
